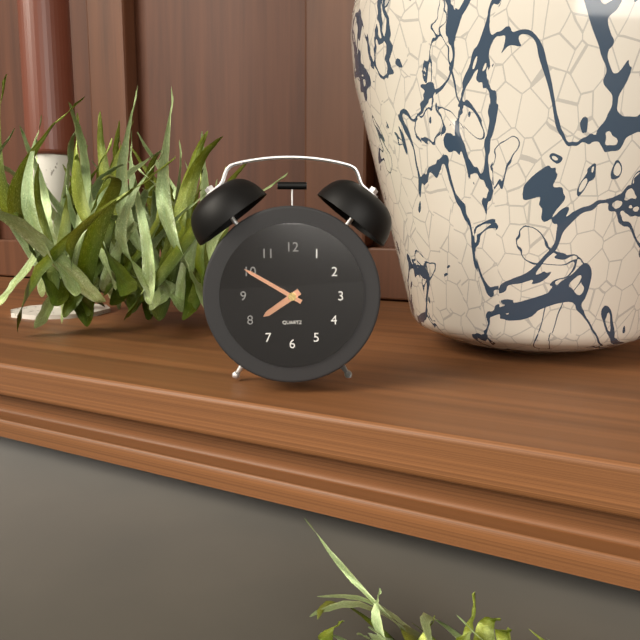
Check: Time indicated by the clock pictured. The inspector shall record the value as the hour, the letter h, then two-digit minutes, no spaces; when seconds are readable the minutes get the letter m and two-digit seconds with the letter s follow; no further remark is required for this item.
7h50
